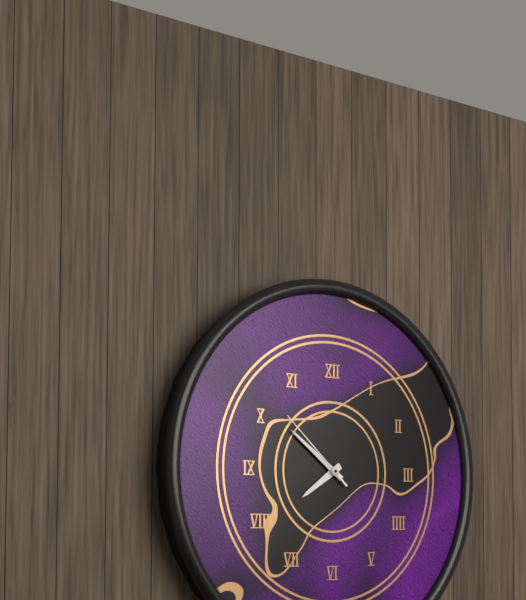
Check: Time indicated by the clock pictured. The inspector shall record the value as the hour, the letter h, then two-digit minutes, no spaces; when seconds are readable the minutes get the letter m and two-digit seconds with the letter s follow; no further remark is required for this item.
7h51m52s
